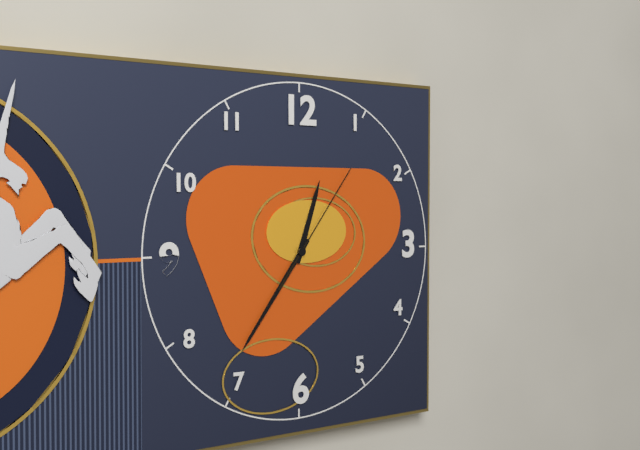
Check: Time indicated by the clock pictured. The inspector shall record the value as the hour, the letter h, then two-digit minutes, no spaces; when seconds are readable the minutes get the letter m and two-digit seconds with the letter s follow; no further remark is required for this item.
12h36m06s
